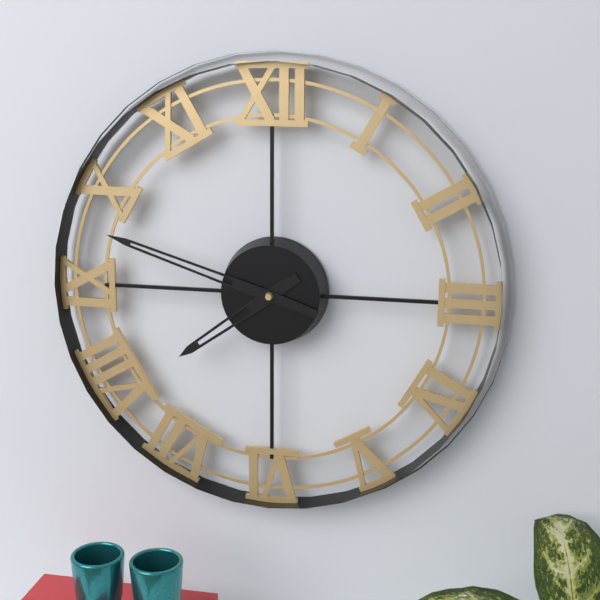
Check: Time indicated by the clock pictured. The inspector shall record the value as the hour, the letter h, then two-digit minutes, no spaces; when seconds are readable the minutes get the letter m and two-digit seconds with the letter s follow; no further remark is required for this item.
7h48
